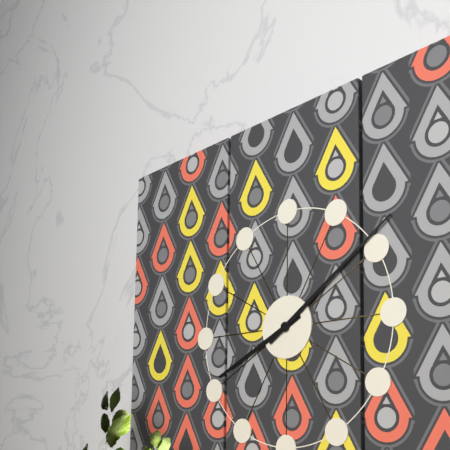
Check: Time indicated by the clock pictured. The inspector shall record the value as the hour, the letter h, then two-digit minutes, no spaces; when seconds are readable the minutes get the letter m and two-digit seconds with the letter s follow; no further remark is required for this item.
8h09
